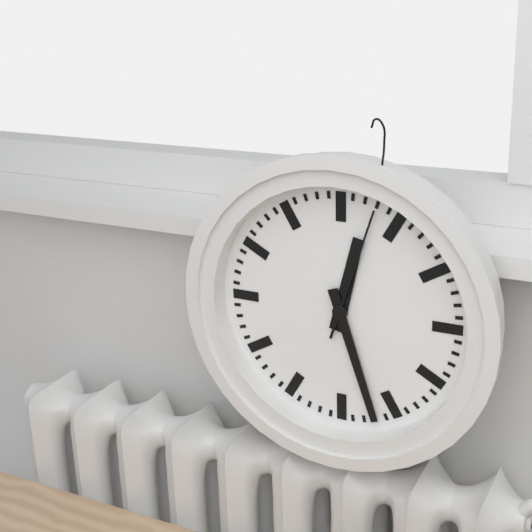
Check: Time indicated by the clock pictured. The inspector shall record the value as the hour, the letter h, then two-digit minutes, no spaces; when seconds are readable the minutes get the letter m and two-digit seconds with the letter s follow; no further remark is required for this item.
12h27m03s
